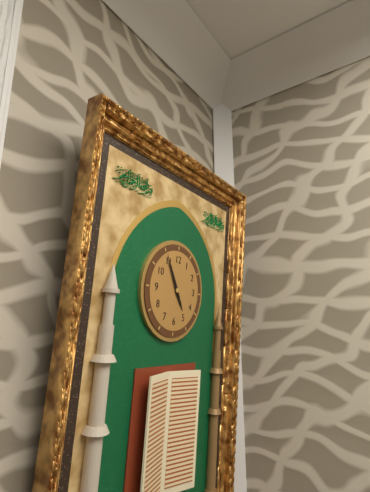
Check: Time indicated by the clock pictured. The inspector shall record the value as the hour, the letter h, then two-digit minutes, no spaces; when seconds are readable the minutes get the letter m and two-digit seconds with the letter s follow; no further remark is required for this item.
4h55
